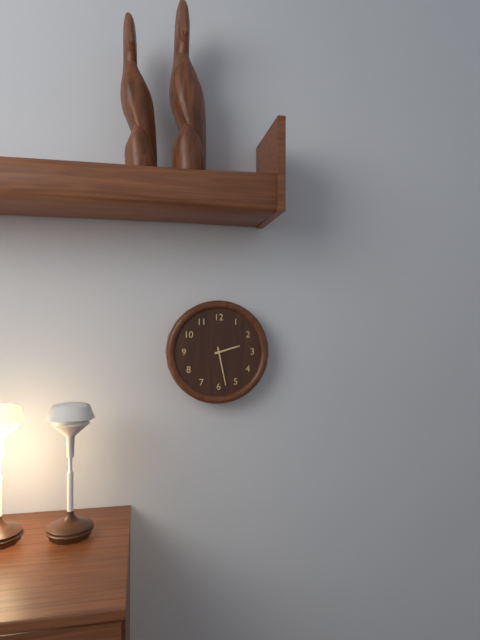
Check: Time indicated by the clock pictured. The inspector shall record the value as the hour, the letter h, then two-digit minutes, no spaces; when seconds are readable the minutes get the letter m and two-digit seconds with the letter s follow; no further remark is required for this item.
2h28
